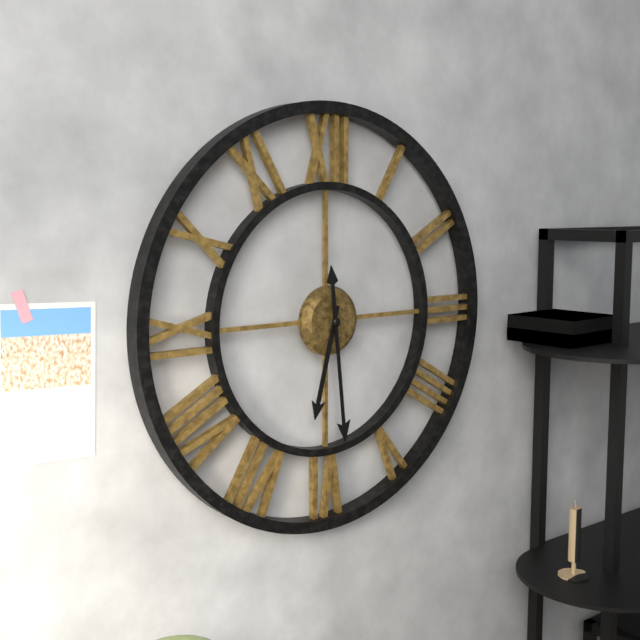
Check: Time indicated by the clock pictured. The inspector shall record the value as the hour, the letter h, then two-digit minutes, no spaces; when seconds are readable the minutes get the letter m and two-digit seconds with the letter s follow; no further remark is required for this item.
6h29
